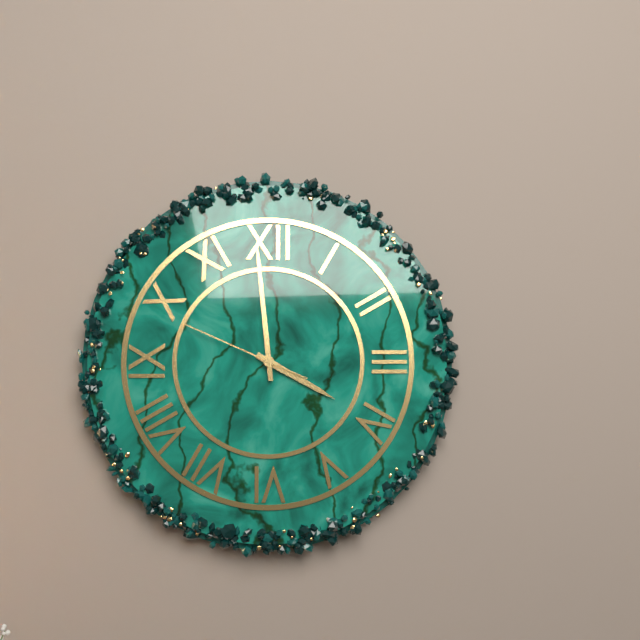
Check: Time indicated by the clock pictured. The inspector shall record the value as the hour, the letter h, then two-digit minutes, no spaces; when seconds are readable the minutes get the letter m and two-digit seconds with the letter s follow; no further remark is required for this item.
3h59m49s
